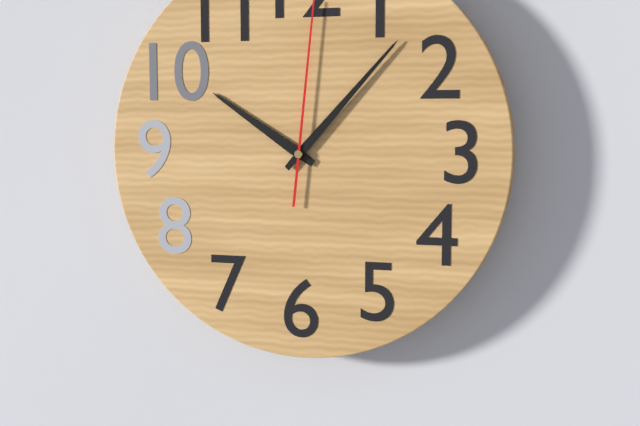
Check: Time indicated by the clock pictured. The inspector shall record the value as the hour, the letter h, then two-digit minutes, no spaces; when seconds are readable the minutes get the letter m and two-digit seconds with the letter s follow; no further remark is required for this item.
10h07m01s
